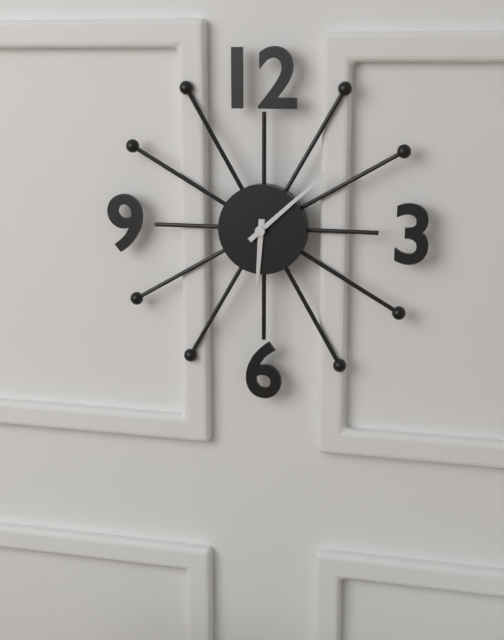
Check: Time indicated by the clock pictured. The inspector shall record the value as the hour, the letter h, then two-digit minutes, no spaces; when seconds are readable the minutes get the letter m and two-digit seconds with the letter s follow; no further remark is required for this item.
6h08
